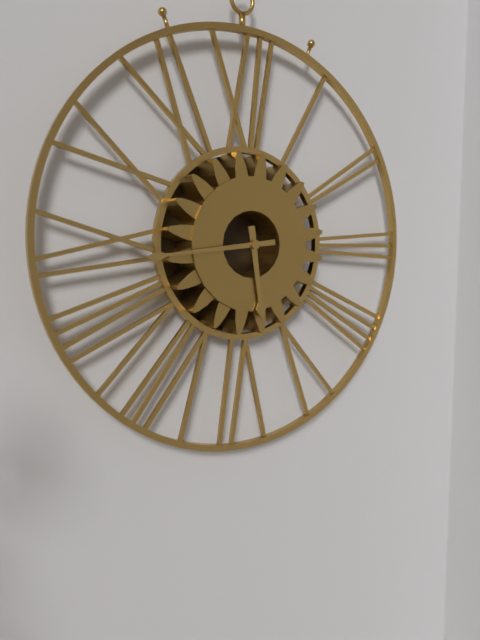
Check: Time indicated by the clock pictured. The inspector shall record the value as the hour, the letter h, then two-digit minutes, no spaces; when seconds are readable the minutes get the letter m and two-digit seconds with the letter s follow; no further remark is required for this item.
5h44
